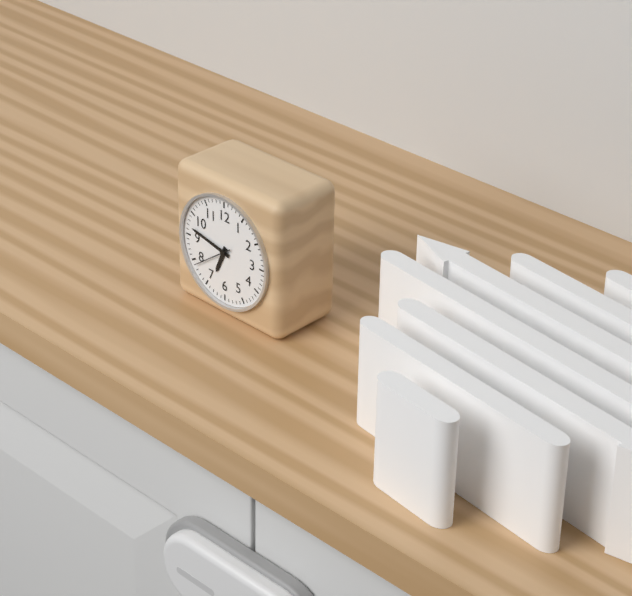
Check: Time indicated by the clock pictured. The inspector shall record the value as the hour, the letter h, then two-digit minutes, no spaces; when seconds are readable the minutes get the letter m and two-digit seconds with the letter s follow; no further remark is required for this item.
6h47m39s
